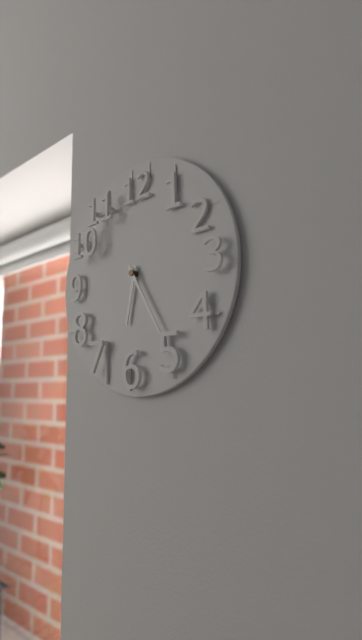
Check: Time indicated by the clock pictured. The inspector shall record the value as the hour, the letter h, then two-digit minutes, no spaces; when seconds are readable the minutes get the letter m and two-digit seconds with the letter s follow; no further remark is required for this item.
6h25
